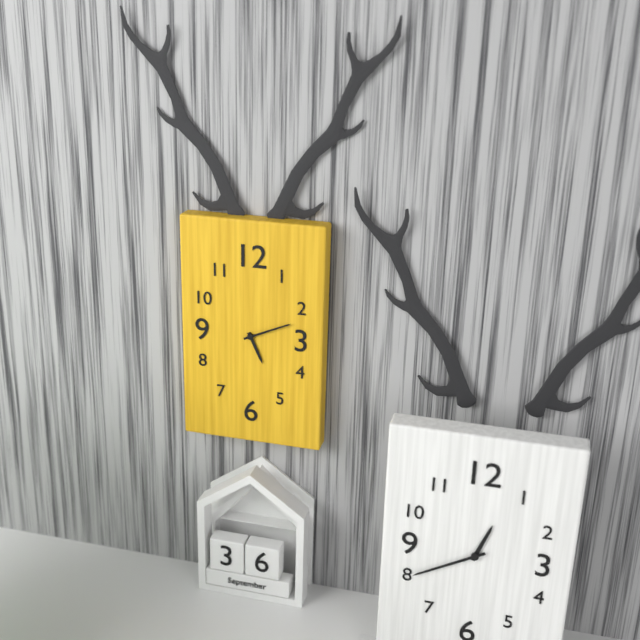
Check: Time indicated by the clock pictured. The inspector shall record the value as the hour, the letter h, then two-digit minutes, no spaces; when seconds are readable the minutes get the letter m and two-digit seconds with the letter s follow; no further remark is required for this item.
5h11
